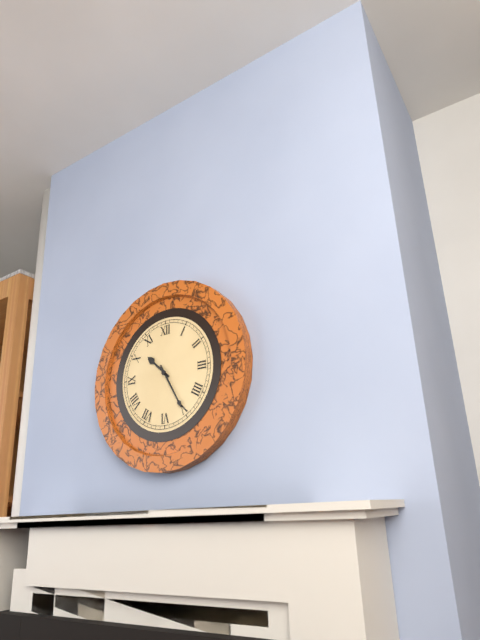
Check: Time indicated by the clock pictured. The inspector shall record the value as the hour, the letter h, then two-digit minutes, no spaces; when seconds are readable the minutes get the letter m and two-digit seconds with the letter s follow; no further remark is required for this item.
10h25
